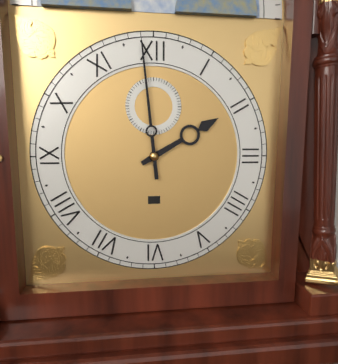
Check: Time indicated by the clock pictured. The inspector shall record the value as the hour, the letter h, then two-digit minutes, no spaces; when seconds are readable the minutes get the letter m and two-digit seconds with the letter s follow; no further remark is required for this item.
1h59
